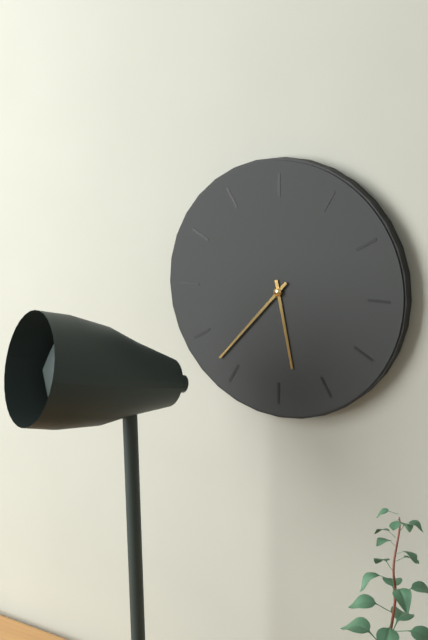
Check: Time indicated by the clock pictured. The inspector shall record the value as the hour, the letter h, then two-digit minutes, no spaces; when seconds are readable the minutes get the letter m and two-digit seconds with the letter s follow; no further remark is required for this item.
5h37
